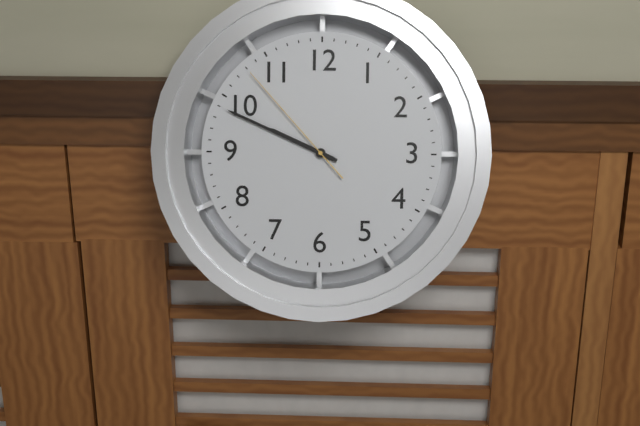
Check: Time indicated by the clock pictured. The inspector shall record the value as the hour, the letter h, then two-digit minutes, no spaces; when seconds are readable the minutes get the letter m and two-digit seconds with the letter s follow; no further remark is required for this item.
9h49m53s
